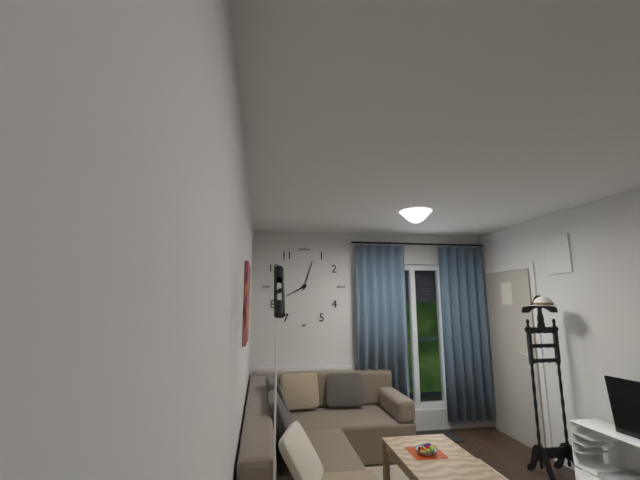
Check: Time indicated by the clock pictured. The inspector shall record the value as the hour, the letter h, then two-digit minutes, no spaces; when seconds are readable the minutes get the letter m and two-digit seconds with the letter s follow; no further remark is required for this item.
8h03
